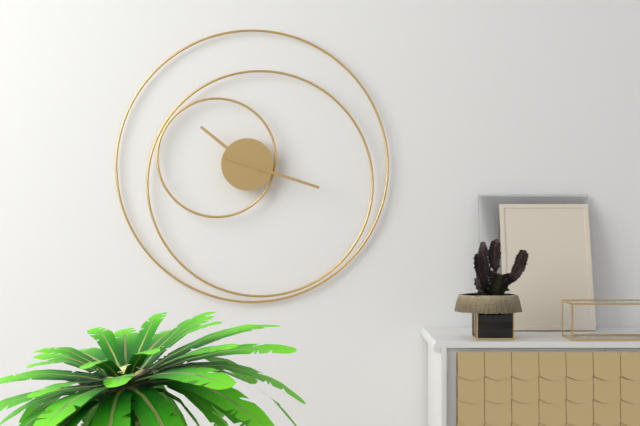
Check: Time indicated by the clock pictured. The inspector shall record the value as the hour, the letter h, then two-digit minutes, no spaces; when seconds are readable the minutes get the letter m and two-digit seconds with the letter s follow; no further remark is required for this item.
10h18
